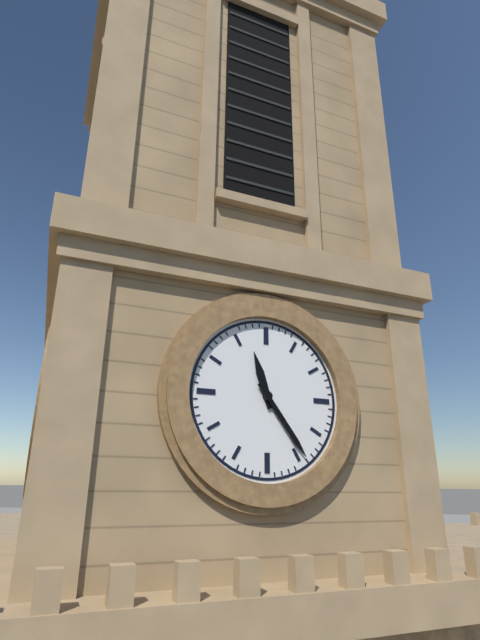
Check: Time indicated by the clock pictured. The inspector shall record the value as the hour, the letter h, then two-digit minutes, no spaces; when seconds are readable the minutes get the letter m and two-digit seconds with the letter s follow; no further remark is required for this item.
11h24
